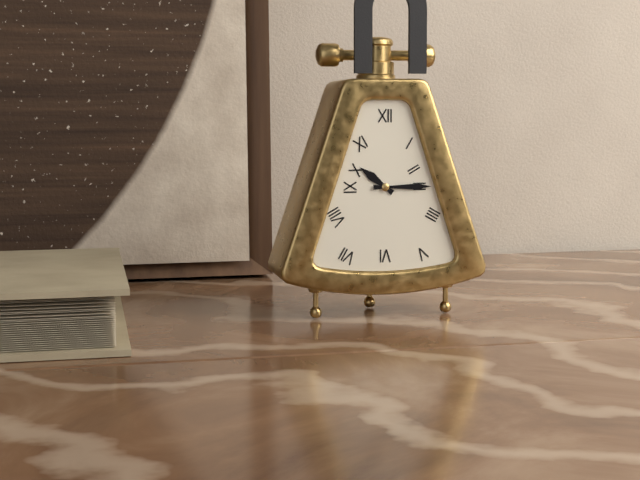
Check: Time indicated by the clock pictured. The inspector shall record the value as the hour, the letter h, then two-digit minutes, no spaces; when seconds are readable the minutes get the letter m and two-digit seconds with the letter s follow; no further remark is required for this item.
10h15
